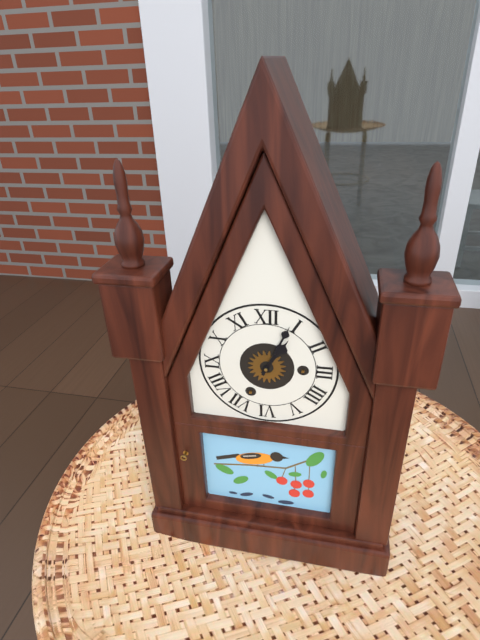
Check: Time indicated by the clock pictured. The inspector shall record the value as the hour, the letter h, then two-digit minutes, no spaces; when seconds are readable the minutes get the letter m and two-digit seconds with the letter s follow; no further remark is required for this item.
1h04
